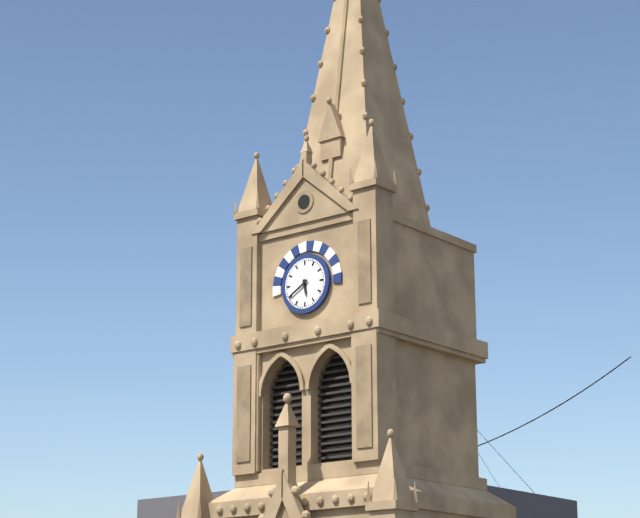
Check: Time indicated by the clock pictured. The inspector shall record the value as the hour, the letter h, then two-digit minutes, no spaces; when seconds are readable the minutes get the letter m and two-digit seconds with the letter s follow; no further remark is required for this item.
5h40
